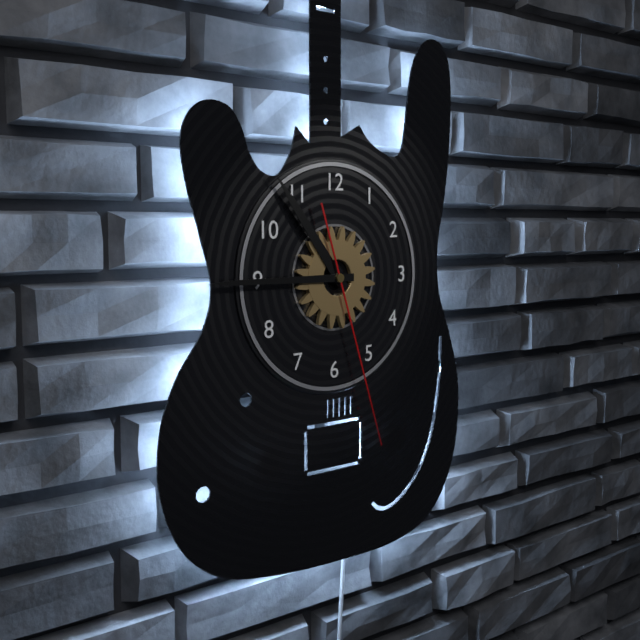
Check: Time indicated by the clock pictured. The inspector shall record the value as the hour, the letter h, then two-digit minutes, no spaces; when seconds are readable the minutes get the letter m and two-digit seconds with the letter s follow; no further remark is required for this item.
10h45m27s
